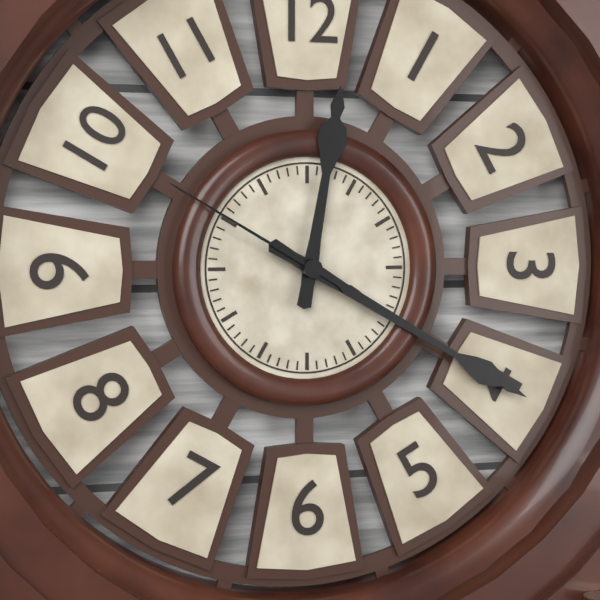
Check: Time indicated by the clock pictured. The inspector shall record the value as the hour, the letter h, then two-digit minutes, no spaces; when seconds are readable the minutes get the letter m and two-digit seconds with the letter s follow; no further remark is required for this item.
12h20m50s
